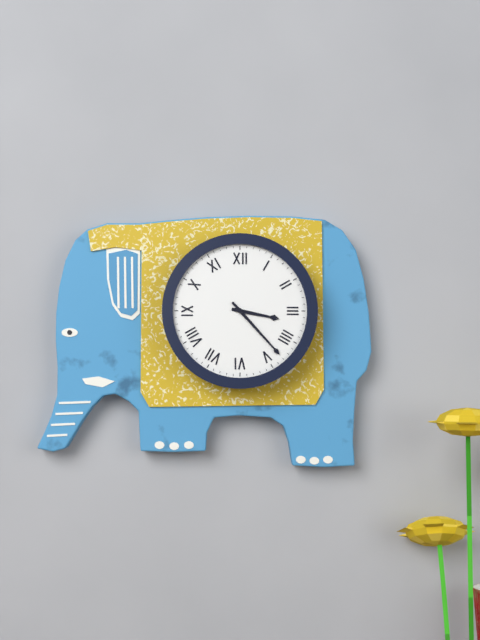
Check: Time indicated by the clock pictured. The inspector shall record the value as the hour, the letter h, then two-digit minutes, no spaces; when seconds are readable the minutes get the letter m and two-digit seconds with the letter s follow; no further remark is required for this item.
3h23
